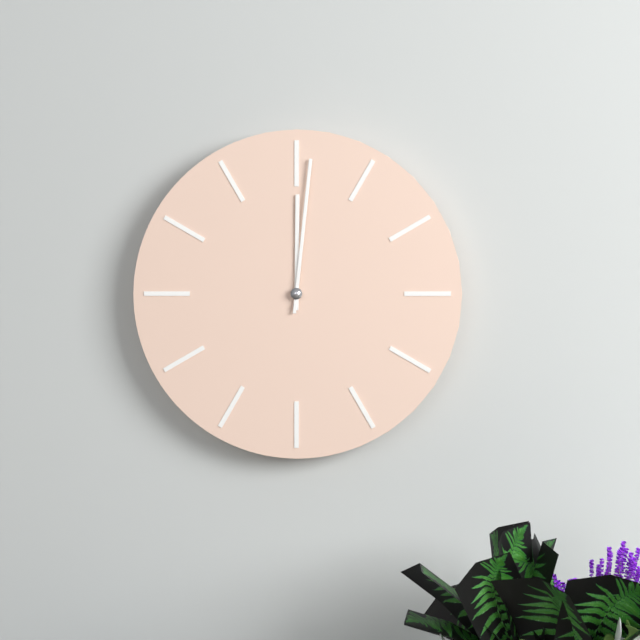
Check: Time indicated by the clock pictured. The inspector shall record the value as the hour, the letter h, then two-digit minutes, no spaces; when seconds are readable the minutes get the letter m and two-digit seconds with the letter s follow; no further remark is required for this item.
12h01
